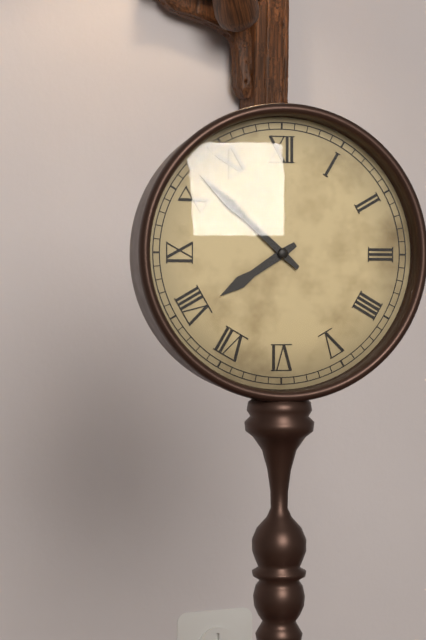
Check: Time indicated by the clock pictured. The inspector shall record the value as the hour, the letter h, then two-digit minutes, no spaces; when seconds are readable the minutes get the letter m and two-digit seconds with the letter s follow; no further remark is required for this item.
7h52
